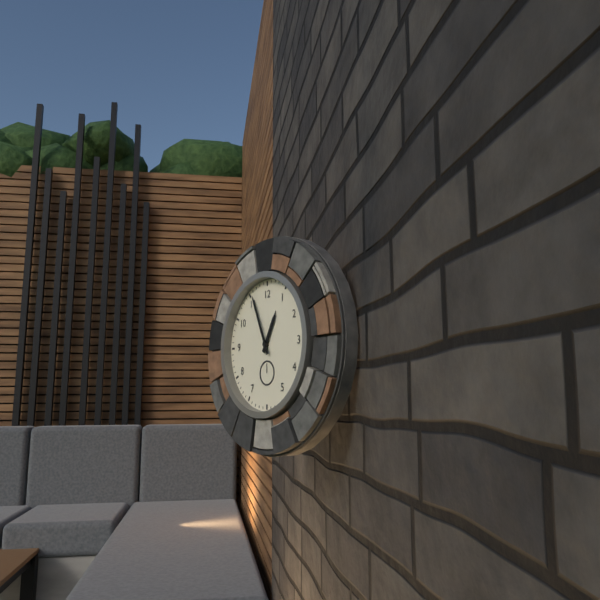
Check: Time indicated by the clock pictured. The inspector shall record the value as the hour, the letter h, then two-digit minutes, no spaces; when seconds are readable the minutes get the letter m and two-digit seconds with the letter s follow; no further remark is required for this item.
12h56
